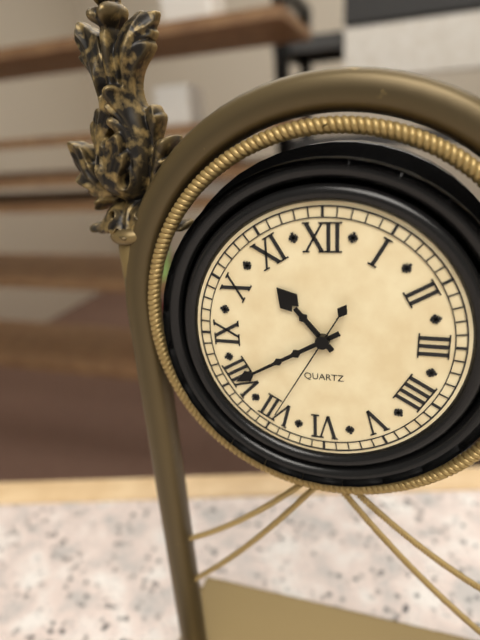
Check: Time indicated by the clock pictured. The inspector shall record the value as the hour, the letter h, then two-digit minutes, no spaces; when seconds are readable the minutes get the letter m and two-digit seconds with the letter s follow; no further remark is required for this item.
10h40m35s
